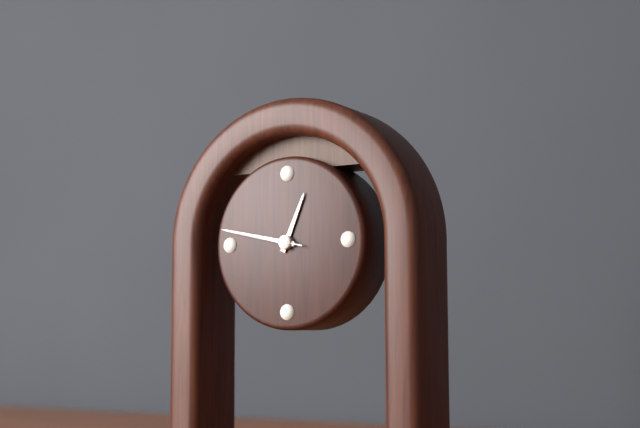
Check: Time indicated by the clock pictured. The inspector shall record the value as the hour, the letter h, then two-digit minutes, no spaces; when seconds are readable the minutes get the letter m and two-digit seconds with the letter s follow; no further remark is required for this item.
12h47m47s
